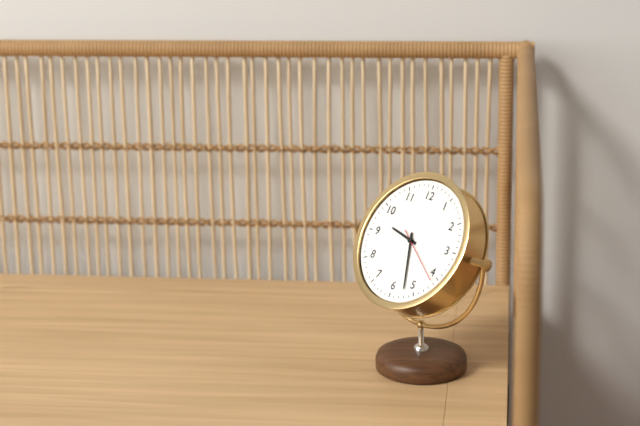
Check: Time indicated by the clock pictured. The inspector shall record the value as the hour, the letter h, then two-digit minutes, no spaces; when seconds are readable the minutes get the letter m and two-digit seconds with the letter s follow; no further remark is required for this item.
9h27m21s
